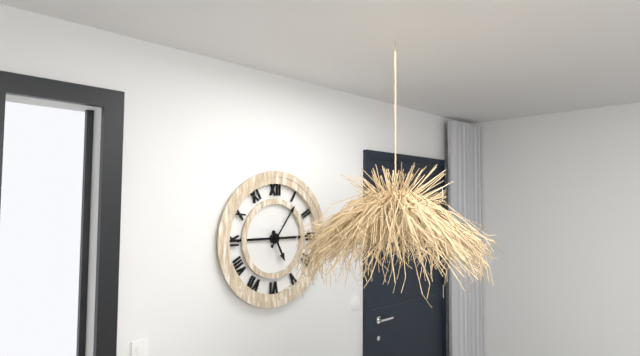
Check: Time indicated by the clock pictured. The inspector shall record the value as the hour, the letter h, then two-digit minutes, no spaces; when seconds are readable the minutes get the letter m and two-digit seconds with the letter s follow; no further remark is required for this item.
5h06
